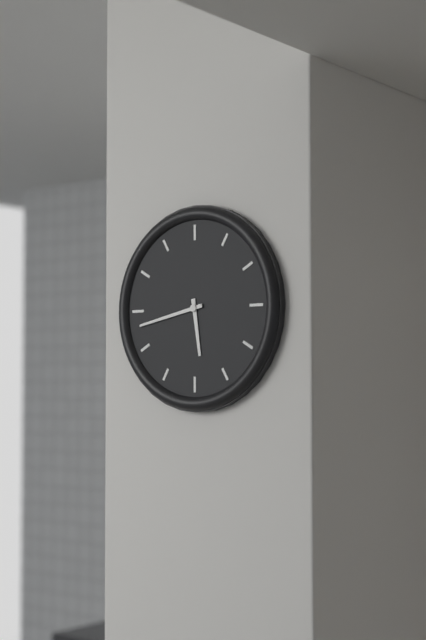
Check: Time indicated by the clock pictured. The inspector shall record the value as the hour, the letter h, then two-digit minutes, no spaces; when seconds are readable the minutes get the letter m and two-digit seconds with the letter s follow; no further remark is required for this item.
5h43
